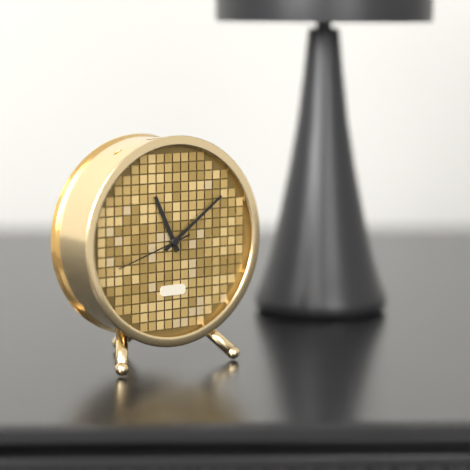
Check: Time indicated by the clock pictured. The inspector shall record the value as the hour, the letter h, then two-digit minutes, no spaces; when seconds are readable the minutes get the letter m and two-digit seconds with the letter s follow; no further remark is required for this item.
11h09m42s
